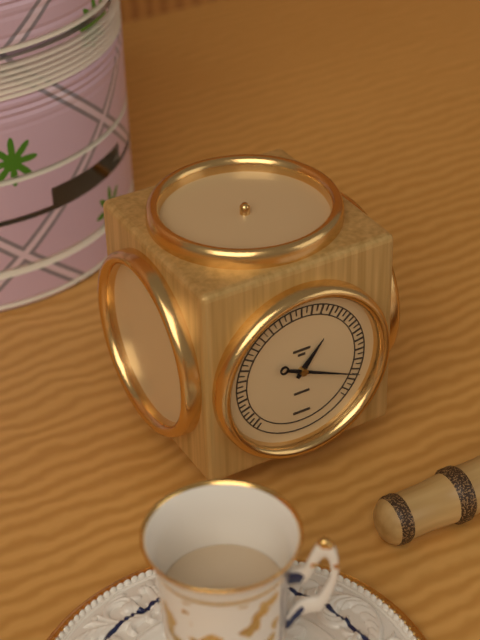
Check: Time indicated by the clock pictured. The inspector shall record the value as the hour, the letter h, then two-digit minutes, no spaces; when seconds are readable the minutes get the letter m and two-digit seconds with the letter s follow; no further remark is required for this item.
1h19
